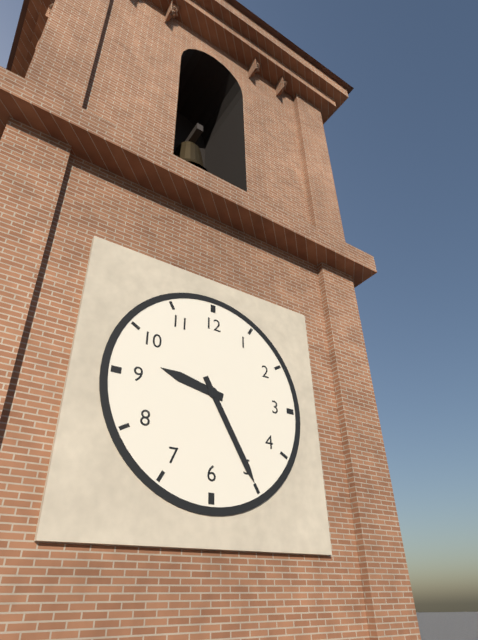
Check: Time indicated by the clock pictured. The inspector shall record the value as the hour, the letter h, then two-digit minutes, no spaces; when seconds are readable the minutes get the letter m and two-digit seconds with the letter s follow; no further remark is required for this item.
9h25
